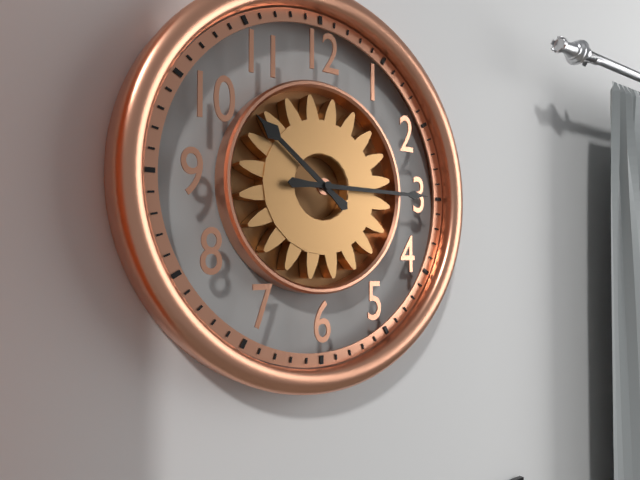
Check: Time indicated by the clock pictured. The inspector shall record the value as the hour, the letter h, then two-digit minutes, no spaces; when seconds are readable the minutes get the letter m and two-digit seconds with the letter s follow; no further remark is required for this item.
10h15
